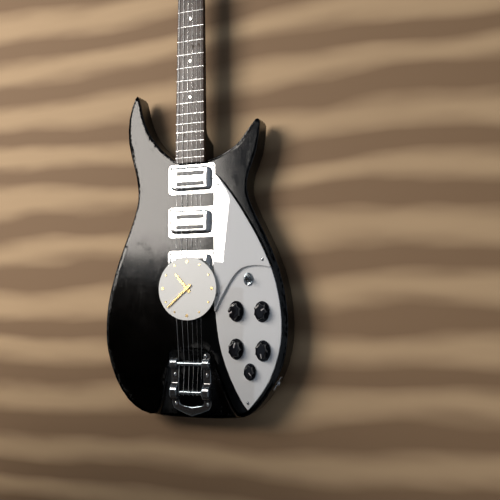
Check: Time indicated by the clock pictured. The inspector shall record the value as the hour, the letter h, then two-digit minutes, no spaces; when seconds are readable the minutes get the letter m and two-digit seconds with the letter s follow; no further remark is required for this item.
10h38
